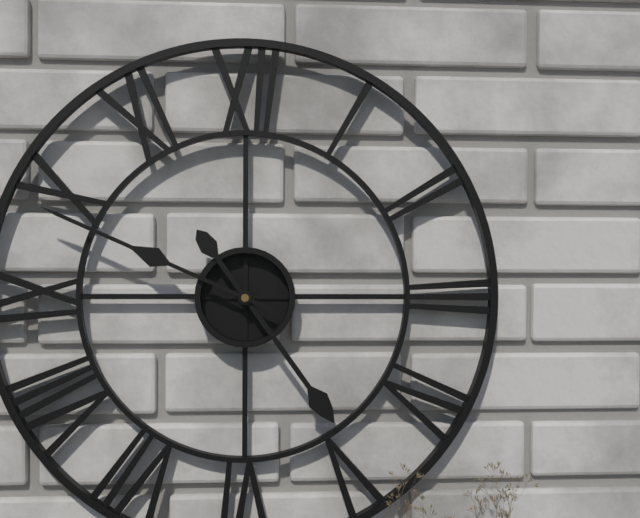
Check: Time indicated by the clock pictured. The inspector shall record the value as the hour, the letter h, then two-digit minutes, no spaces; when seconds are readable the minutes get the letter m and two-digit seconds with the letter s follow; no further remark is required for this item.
4h49
